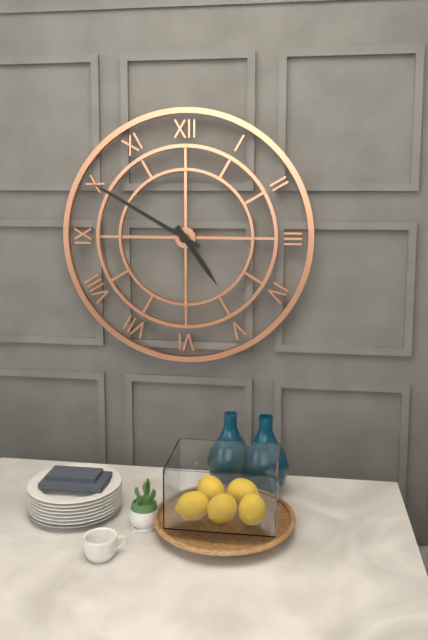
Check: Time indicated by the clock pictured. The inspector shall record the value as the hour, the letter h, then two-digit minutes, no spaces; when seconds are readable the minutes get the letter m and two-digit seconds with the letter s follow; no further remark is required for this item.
4h50
